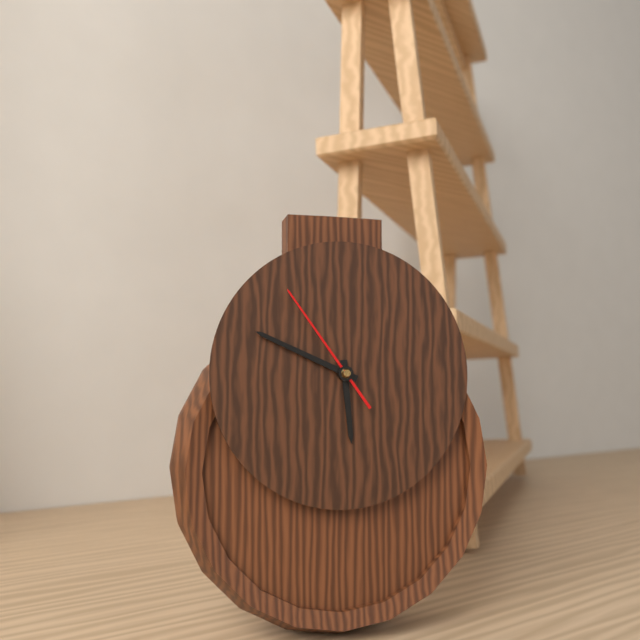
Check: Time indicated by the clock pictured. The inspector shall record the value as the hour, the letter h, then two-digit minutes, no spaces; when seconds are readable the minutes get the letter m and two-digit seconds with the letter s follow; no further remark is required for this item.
5h49m54s
